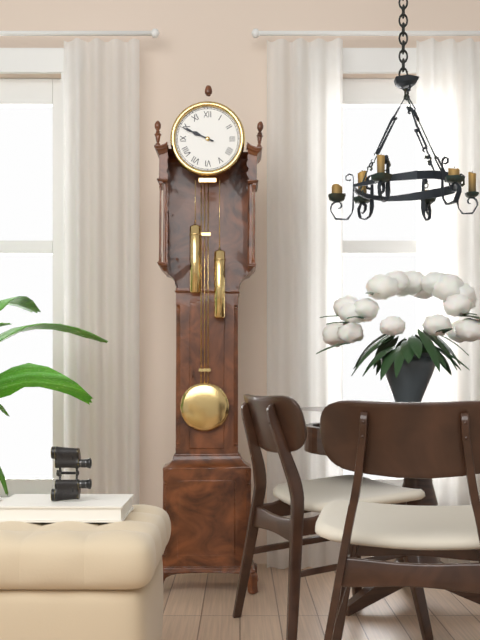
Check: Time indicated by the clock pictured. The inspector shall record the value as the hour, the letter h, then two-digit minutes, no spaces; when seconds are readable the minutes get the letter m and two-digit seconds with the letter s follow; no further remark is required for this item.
9h49
